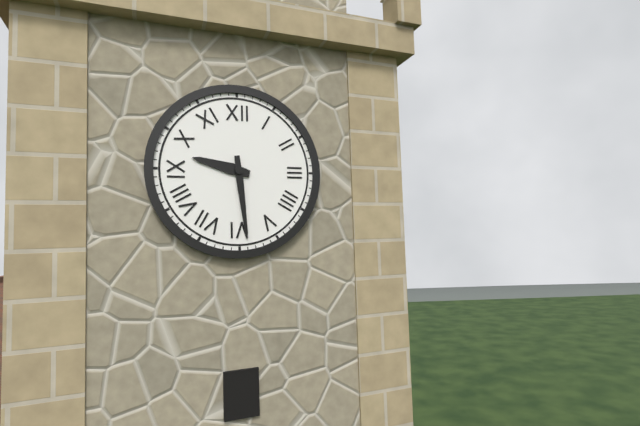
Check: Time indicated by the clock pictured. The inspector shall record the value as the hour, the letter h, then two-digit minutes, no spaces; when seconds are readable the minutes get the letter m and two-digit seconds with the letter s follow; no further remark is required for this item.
9h29
